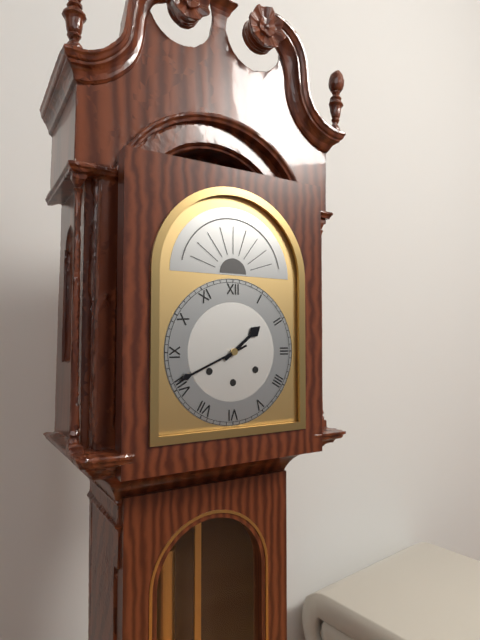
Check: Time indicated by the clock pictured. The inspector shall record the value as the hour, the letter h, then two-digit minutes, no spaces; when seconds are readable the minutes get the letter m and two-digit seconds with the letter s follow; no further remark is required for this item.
1h41
